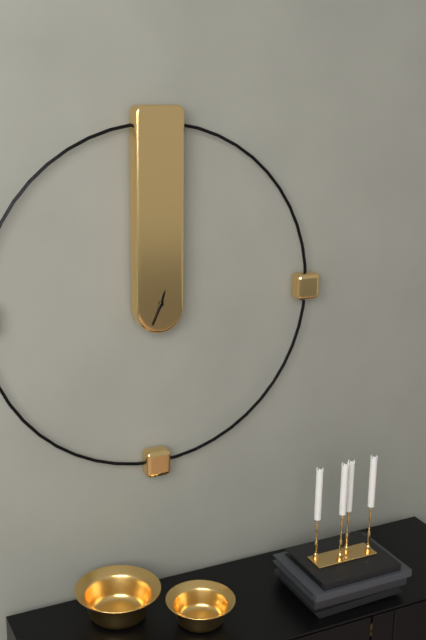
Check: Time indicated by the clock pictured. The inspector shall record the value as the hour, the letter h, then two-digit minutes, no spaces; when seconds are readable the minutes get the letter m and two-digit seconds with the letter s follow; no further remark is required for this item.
12h34
